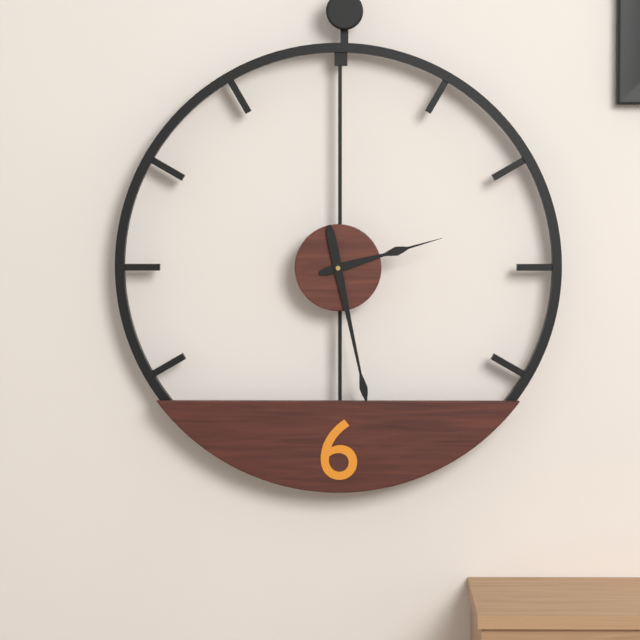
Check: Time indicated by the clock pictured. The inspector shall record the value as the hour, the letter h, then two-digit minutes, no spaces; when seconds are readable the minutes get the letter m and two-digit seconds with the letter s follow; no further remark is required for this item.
2h28
